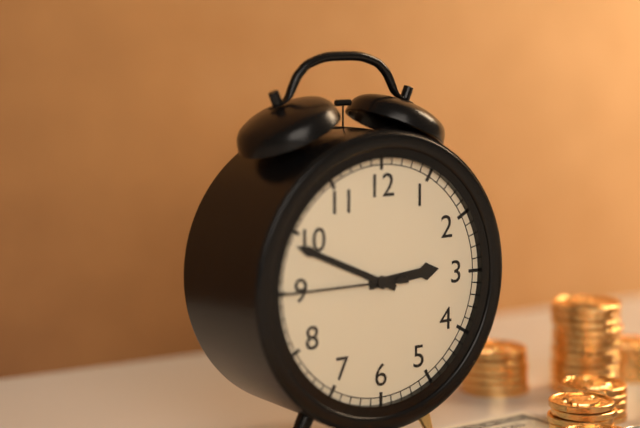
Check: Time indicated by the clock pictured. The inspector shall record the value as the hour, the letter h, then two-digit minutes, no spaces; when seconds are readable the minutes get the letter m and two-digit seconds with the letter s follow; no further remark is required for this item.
2h49m45s
